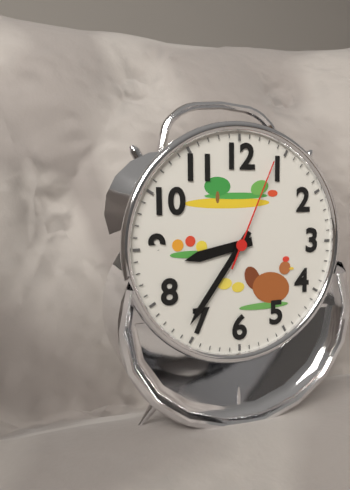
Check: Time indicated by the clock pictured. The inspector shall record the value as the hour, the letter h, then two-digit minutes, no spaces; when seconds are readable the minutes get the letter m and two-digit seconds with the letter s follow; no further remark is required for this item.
8h36m04s
